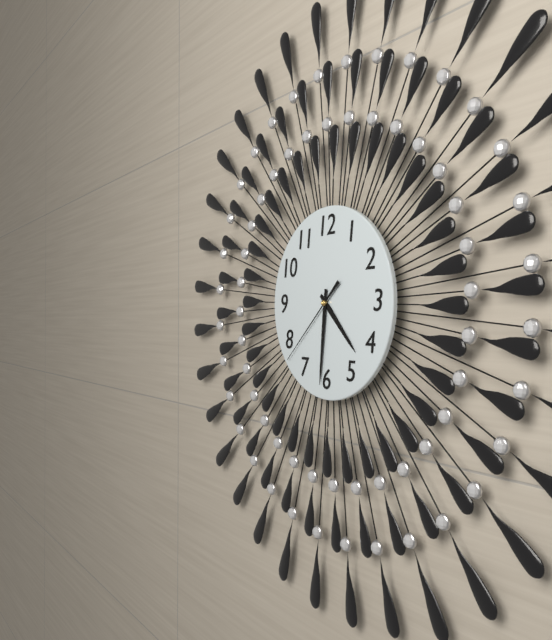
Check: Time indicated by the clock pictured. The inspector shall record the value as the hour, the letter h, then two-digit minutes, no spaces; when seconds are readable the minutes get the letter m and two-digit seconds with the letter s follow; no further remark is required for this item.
4h31m38s
